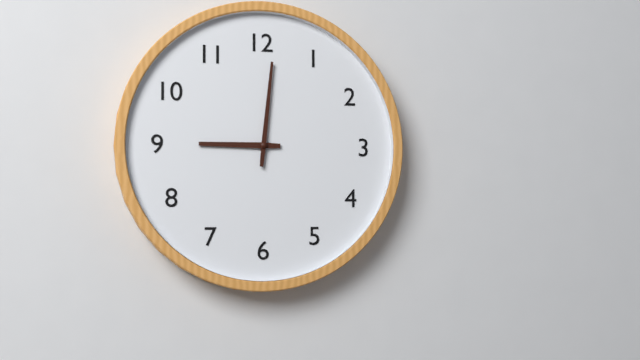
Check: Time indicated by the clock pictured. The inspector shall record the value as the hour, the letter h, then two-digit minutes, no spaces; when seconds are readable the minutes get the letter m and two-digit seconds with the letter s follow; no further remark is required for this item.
9h01
